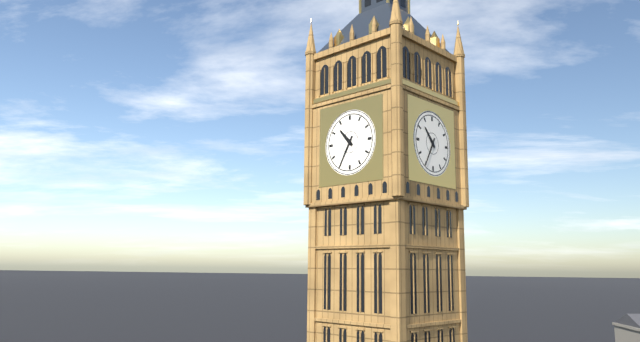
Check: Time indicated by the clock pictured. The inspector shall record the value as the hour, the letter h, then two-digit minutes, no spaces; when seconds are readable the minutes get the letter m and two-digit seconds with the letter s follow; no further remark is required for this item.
10h35
